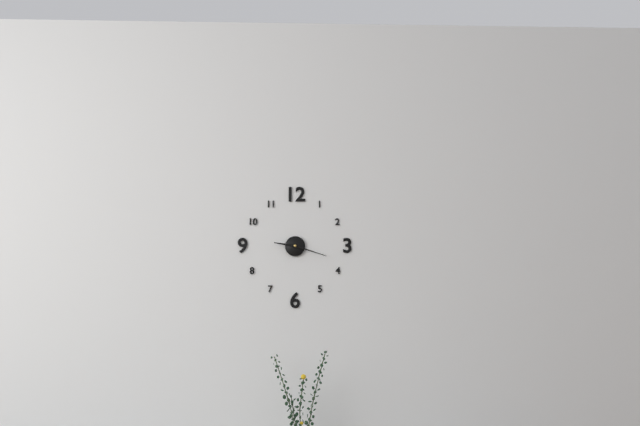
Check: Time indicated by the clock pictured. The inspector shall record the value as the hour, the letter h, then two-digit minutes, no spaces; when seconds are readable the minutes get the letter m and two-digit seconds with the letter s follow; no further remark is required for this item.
9h18
